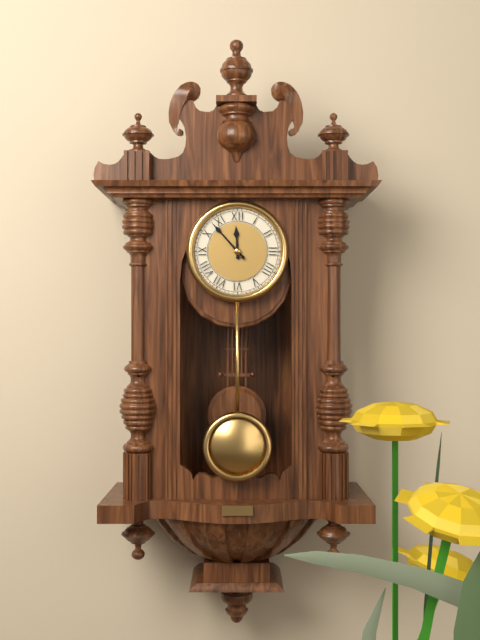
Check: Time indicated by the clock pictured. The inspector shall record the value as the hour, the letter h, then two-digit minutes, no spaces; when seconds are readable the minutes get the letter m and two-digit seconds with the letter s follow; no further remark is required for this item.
11h53
